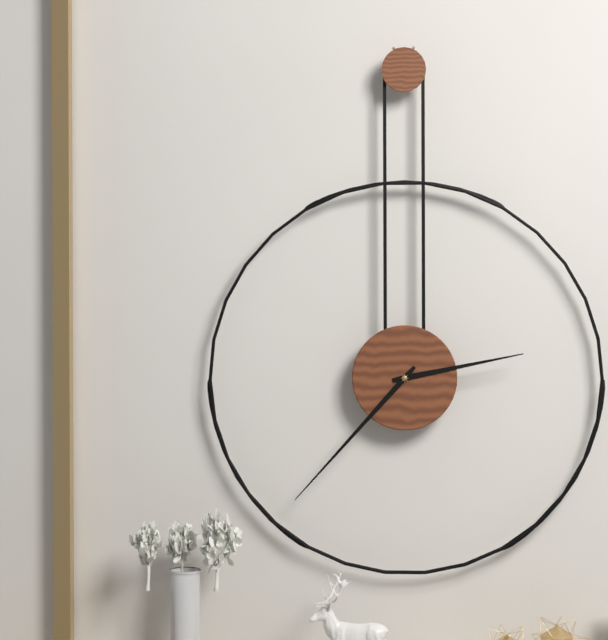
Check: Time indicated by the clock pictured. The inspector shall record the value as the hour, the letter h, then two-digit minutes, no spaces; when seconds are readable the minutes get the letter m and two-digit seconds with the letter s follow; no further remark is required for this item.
2h37
